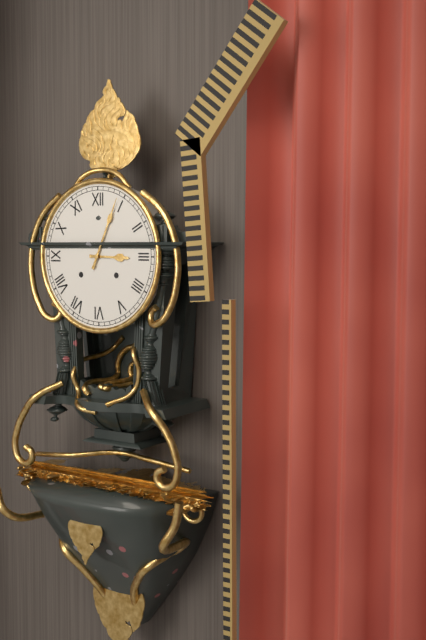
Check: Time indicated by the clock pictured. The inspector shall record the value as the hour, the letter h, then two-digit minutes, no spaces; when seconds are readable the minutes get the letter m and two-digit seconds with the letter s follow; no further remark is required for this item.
3h04
